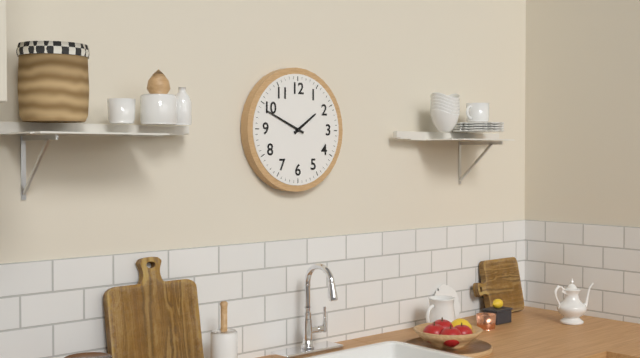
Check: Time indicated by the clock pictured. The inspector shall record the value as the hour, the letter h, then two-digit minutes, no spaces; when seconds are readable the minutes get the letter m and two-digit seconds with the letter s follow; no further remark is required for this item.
1h49
